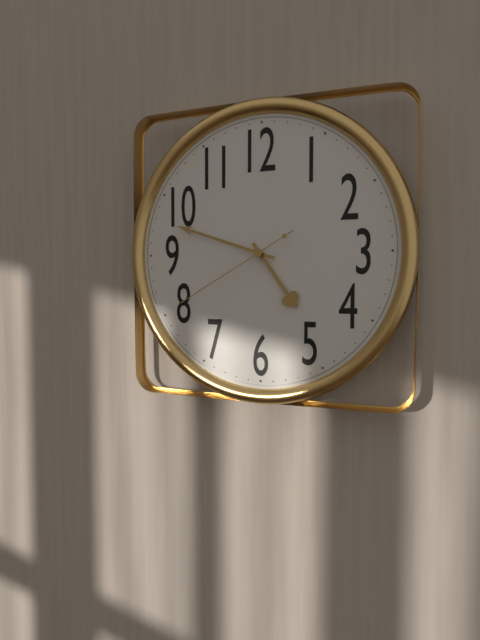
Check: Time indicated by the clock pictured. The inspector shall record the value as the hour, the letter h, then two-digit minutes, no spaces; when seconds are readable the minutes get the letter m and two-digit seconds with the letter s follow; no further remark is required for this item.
4h48m40s
